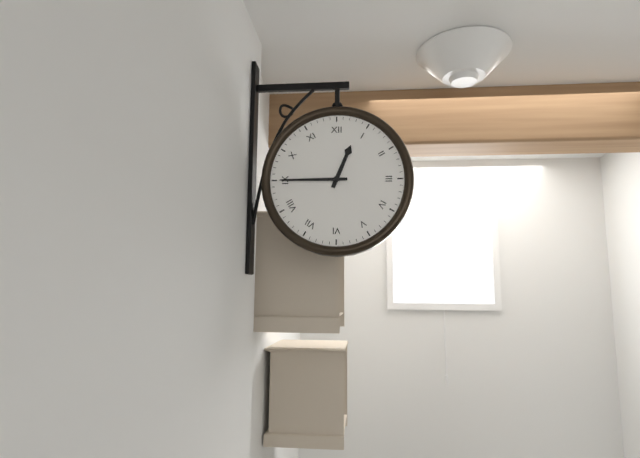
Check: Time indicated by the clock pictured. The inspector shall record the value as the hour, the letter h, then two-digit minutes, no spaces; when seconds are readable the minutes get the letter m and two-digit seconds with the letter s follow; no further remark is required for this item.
12h45
